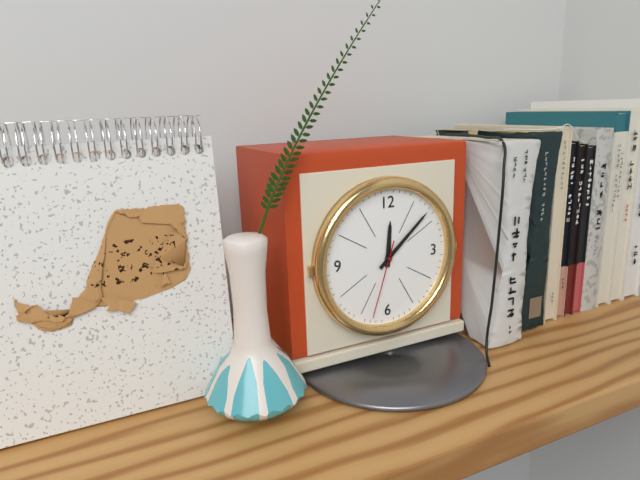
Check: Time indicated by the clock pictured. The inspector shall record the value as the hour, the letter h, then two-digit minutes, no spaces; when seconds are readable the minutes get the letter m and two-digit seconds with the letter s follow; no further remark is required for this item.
12h08m33s
